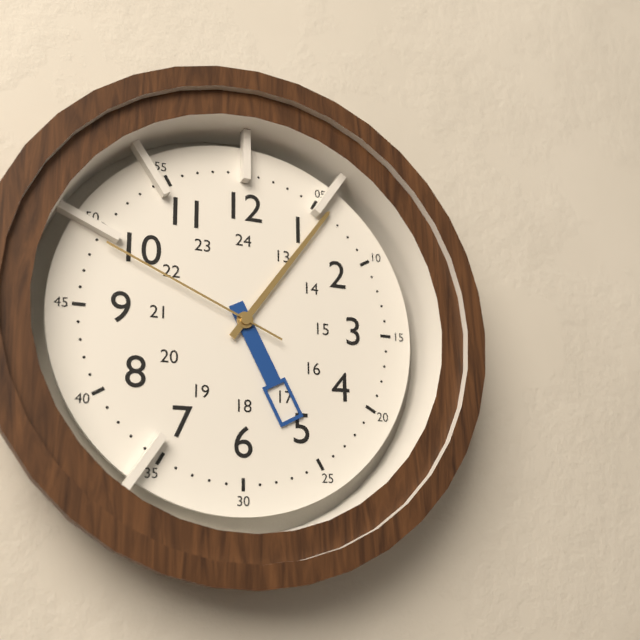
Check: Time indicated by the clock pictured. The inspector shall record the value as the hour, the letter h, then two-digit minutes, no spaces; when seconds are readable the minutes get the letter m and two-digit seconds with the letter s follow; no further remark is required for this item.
5h06m49s
